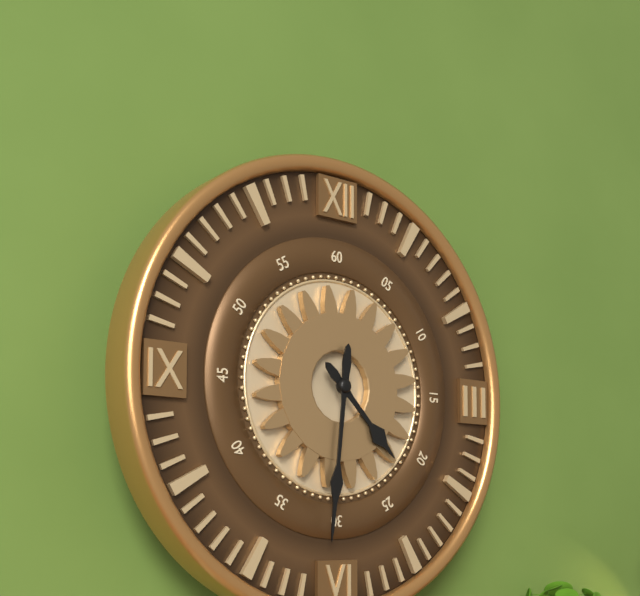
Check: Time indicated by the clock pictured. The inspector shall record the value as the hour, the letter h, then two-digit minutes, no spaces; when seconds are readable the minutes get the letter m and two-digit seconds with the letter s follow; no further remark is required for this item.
4h31
